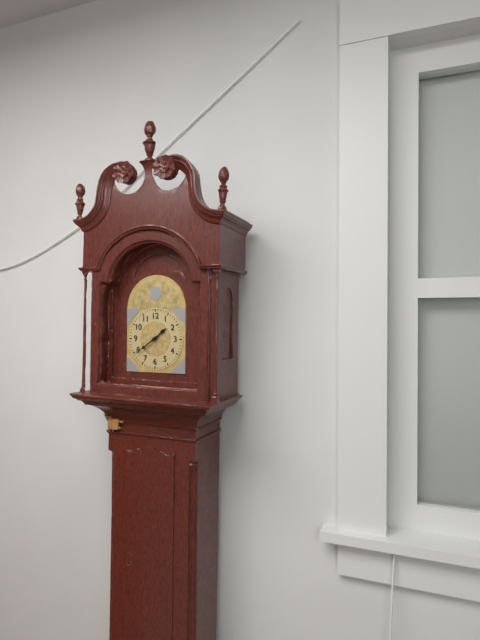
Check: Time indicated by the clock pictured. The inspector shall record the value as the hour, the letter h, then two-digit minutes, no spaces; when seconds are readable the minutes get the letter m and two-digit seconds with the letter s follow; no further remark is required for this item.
1h39
